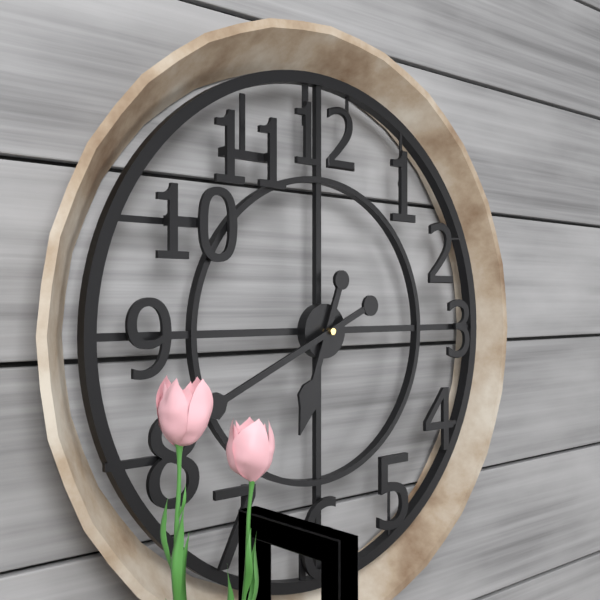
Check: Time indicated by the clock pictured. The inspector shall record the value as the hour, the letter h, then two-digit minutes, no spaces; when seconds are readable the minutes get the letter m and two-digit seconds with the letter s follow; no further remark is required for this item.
6h41
